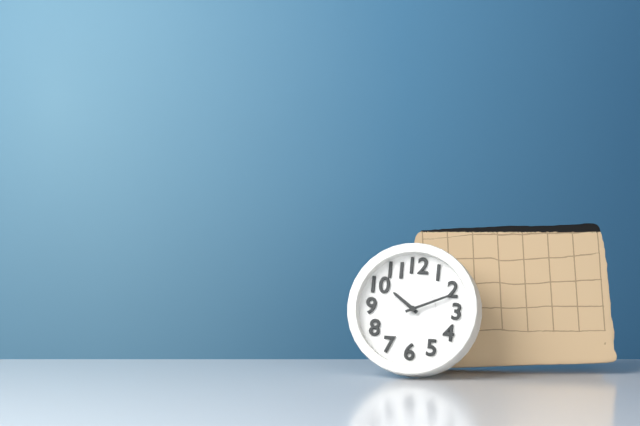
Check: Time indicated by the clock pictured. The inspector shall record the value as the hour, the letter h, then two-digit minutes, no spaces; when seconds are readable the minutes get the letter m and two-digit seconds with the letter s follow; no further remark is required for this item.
10h11
